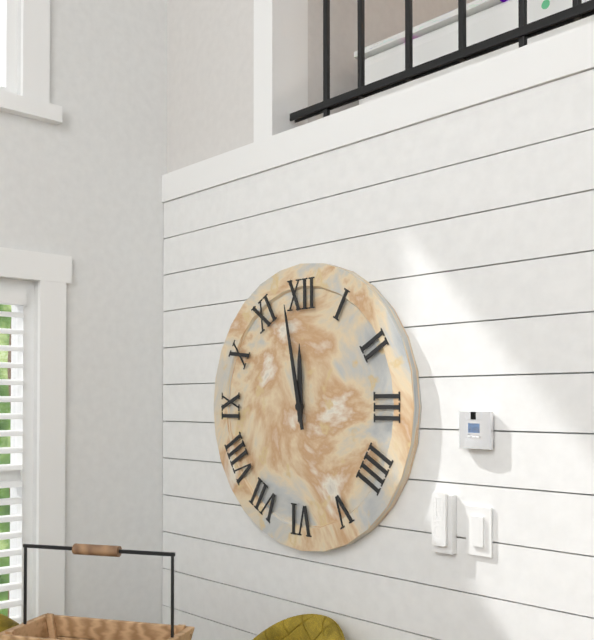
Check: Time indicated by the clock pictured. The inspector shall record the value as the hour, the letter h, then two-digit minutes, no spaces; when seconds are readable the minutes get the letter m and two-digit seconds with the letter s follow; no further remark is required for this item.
11h58
